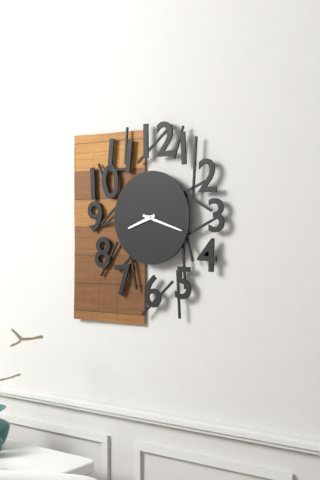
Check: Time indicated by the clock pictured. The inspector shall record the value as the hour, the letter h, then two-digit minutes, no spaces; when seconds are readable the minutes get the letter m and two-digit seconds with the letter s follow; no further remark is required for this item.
8h18
